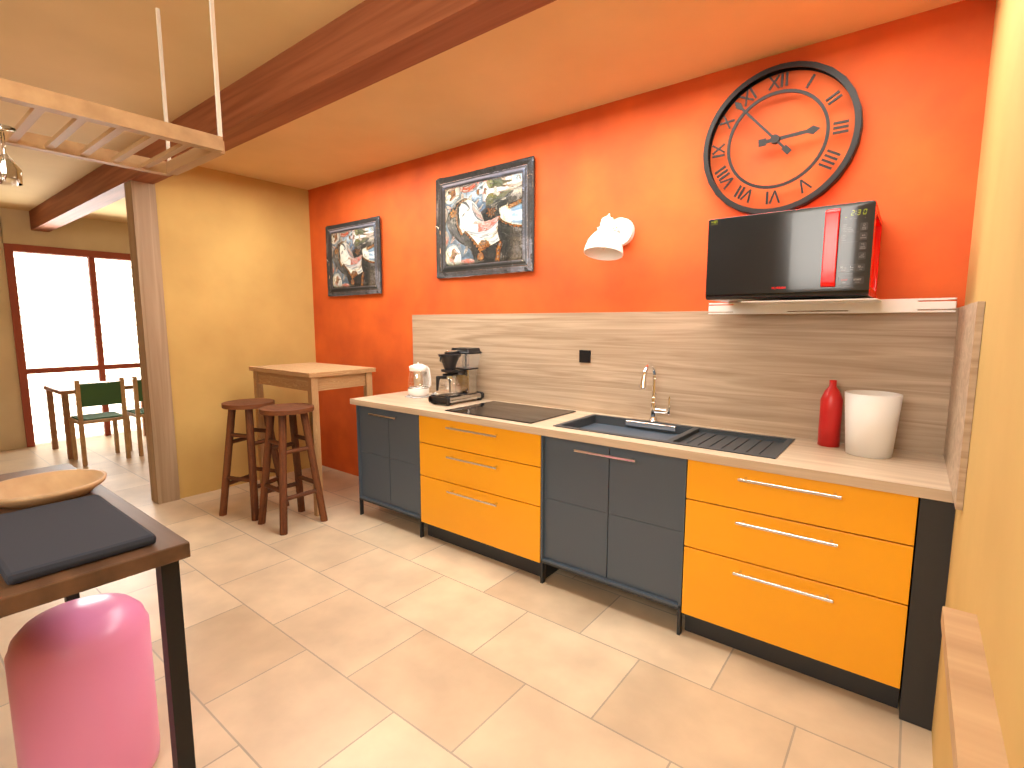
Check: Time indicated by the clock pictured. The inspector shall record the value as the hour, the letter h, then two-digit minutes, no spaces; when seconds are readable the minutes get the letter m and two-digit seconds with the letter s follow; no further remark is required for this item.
2h53
